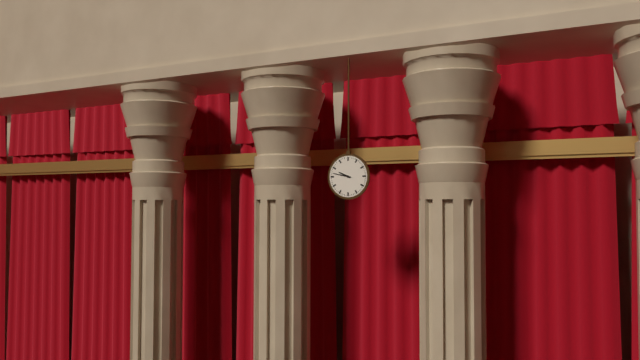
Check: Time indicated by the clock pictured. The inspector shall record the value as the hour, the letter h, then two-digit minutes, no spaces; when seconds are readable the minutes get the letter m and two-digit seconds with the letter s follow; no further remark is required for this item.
9h47
